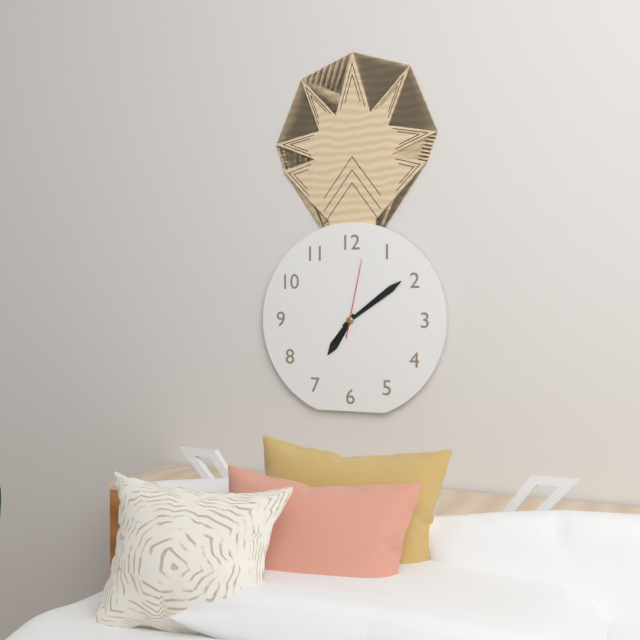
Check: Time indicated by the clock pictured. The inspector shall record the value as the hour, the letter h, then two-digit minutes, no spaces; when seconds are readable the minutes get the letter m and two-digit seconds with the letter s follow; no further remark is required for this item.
7h09m02s
